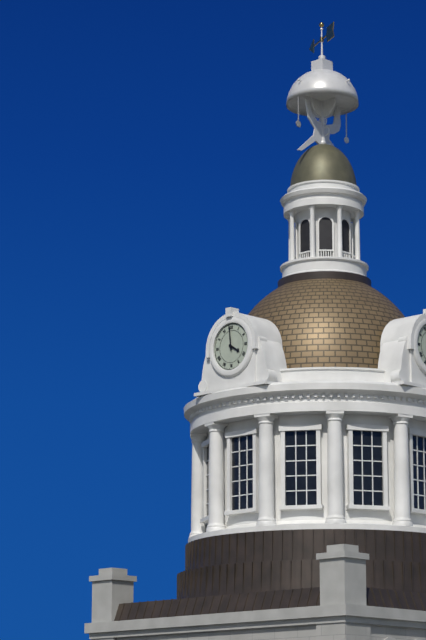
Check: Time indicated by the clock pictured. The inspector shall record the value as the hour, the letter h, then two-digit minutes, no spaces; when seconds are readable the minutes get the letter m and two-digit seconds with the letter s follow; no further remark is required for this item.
3h59
